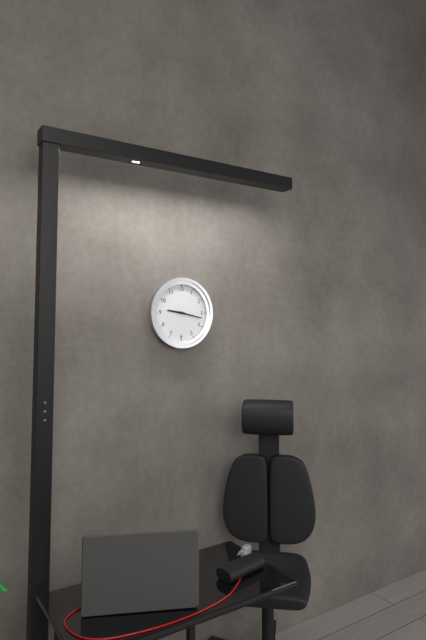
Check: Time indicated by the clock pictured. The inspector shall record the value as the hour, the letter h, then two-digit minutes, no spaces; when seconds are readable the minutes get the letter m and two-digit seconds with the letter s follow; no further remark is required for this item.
9h17
